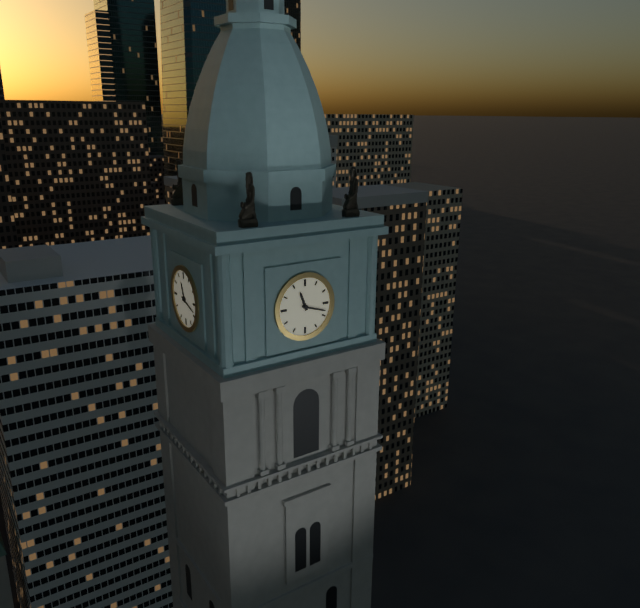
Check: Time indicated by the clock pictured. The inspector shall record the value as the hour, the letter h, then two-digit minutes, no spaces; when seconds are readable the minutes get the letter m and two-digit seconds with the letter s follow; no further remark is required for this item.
11h18
